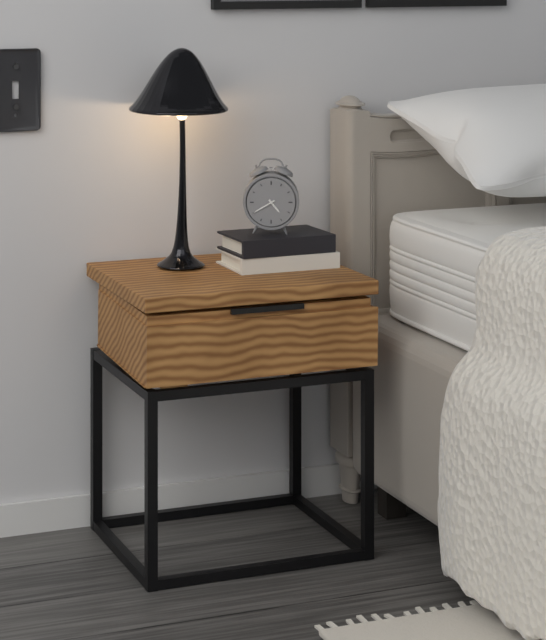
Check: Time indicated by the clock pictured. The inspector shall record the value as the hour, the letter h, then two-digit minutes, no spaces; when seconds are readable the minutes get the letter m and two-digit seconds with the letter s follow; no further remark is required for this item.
4h40
